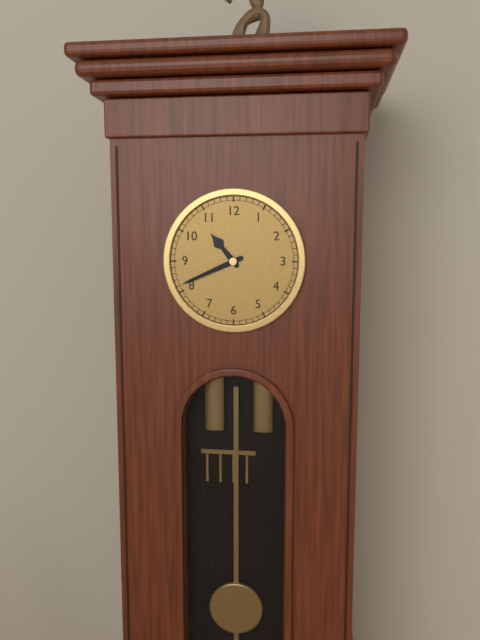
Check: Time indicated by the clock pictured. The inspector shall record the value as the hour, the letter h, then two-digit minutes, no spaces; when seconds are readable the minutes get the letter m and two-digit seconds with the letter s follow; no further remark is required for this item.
10h41
